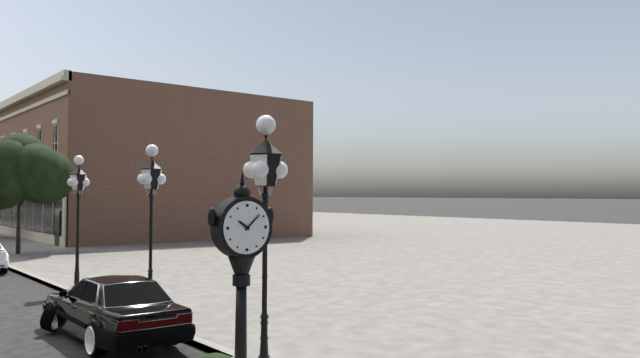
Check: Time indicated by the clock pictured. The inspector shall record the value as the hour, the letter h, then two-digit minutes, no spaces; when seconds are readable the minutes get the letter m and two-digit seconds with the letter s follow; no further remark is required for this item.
10h08
